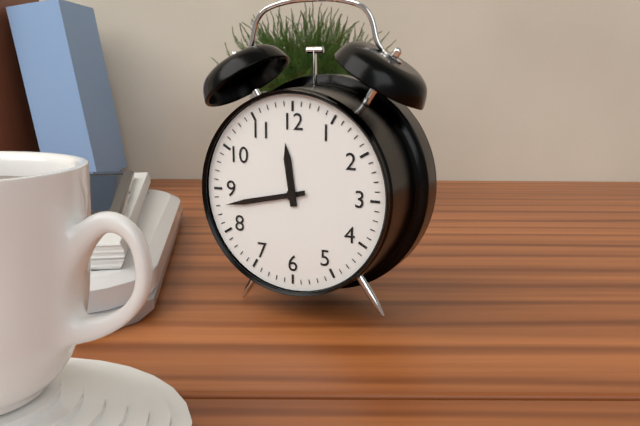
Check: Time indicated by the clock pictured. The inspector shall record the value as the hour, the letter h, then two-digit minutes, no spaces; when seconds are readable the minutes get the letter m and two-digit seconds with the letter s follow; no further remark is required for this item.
11h43
